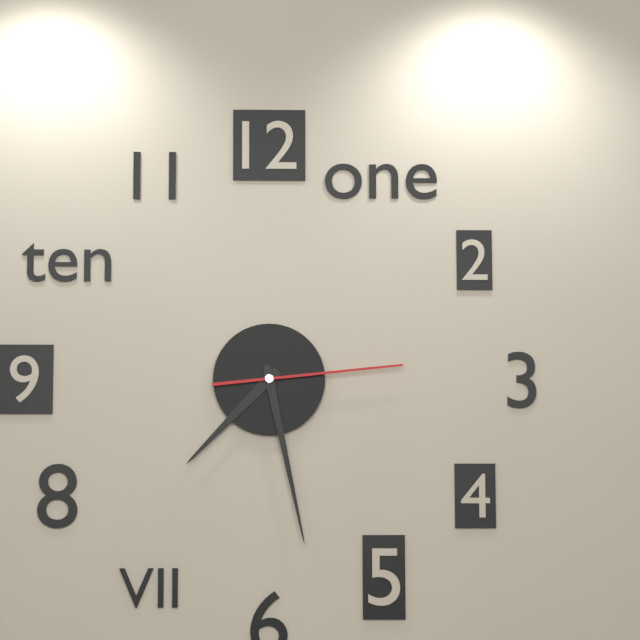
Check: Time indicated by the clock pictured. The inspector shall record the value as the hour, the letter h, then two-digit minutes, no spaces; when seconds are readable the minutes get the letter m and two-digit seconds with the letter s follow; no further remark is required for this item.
7h28m14s
